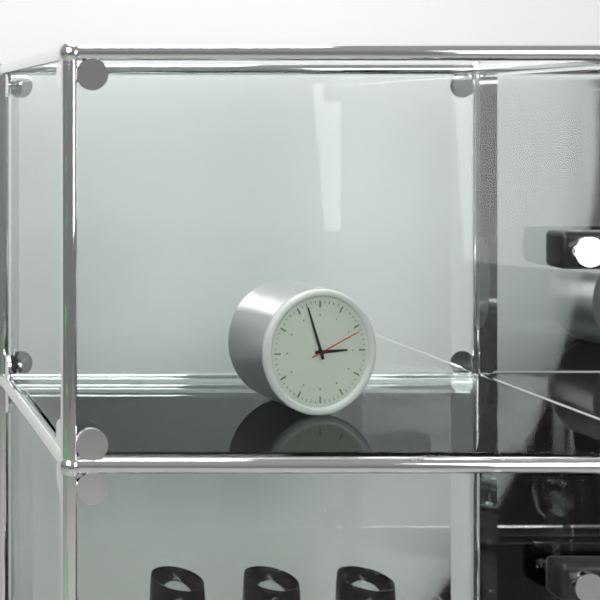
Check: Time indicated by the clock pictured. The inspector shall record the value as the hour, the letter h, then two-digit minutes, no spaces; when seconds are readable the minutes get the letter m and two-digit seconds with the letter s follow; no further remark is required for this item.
2h57m11s
